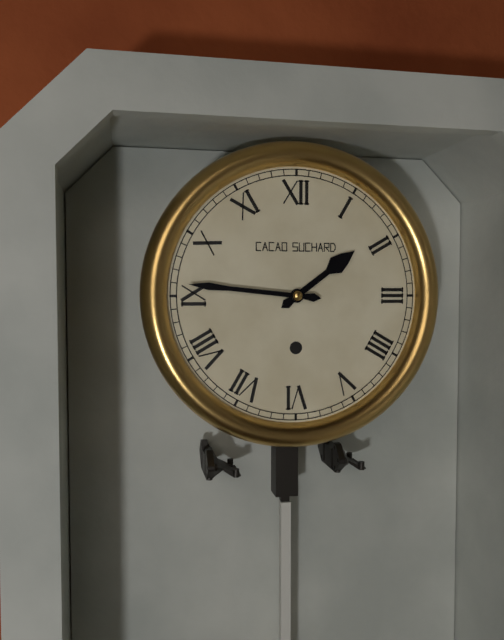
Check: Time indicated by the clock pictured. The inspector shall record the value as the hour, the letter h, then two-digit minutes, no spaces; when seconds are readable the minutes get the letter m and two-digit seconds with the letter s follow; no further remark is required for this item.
1h46
